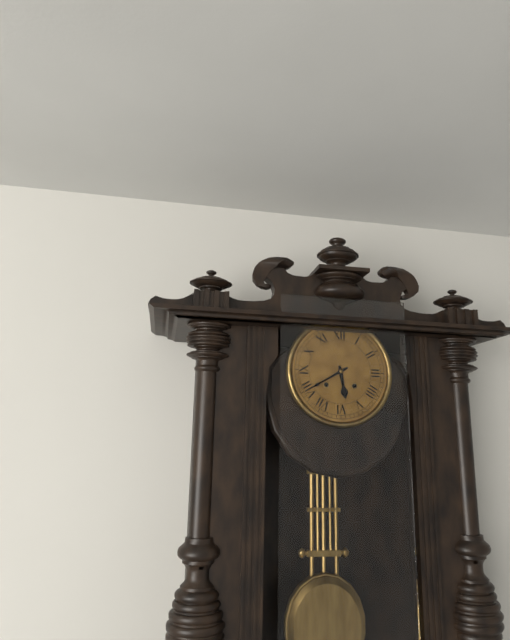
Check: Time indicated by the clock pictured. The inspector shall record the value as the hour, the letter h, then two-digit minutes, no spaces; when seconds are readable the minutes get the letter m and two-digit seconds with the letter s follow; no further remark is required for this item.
5h40
